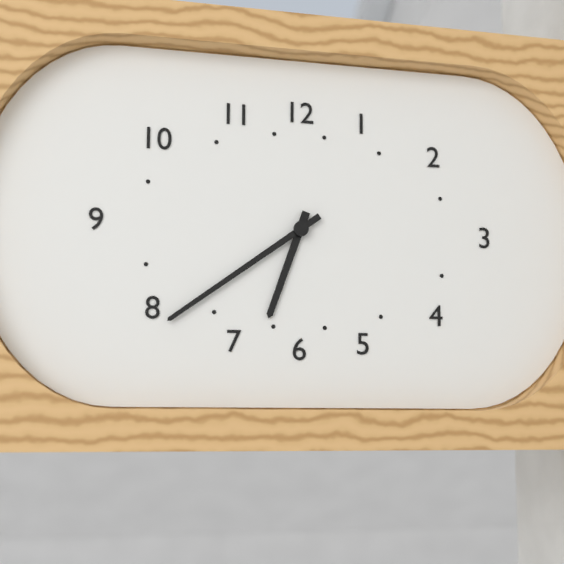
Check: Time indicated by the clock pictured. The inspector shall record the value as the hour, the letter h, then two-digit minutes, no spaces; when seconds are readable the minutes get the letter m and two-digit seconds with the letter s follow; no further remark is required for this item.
6h39
